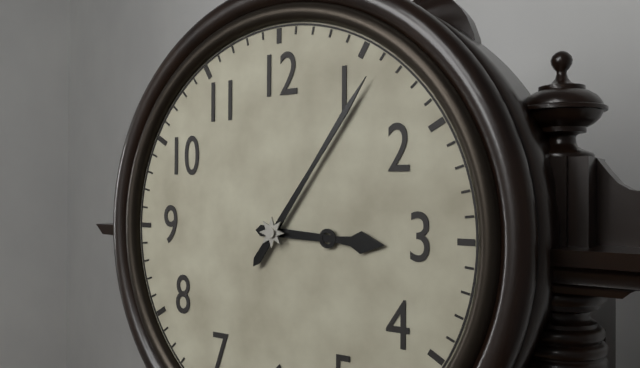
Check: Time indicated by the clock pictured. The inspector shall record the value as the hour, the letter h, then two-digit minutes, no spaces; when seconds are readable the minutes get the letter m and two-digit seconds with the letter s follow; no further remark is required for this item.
3h06
